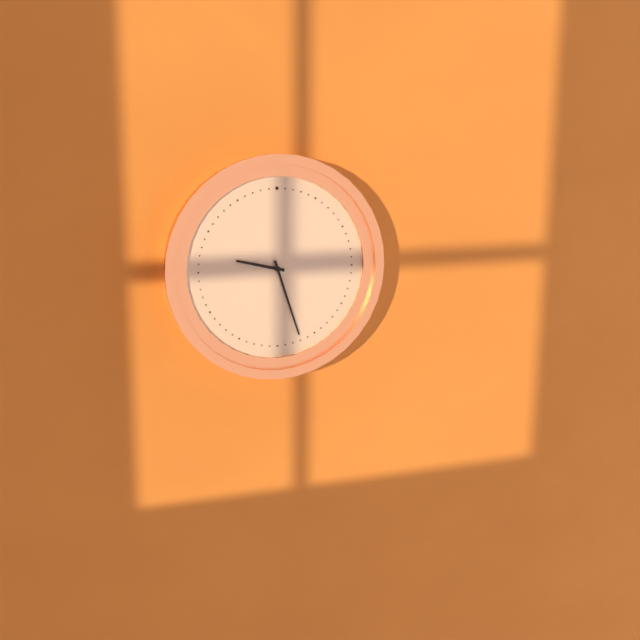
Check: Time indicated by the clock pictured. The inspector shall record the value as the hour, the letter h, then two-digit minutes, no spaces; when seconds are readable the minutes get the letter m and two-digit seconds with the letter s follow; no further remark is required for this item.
9h27
